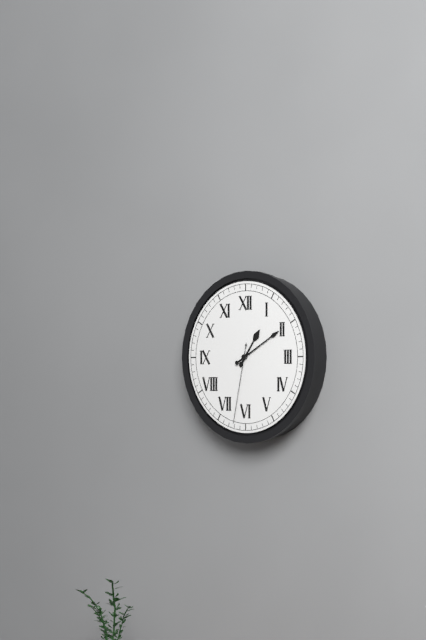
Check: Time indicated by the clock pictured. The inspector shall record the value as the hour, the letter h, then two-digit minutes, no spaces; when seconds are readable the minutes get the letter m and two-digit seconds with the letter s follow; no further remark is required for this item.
1h10m32s
